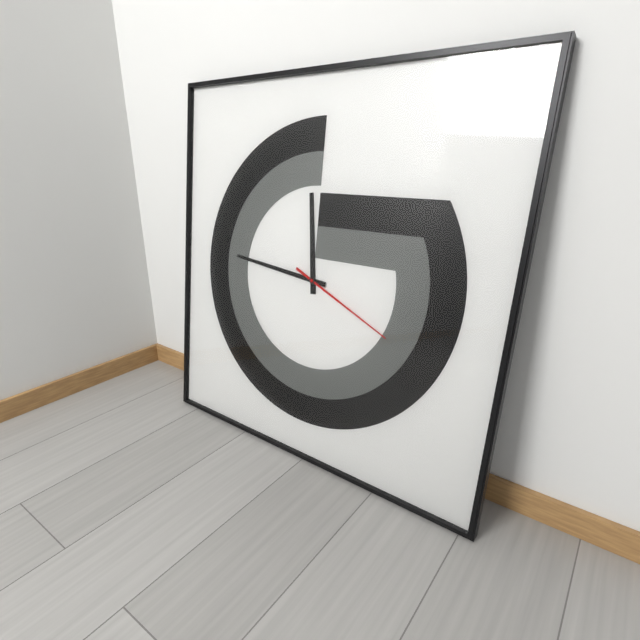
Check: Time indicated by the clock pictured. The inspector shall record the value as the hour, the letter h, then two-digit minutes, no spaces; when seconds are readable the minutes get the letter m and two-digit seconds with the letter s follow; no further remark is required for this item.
11h46m19s
